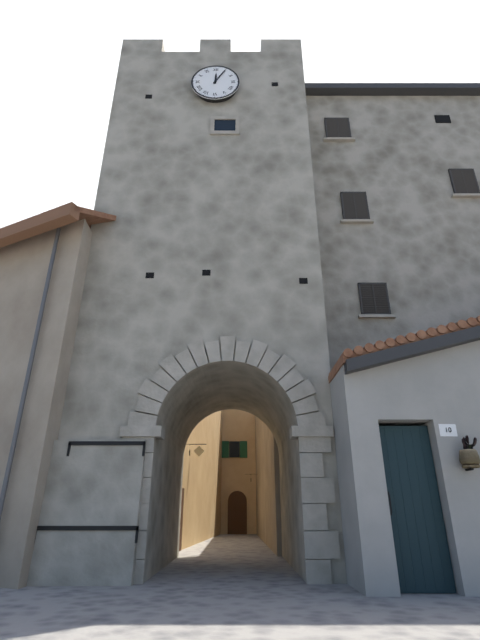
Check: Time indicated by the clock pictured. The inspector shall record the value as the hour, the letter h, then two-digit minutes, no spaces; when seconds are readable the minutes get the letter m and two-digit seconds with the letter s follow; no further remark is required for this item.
12h05
